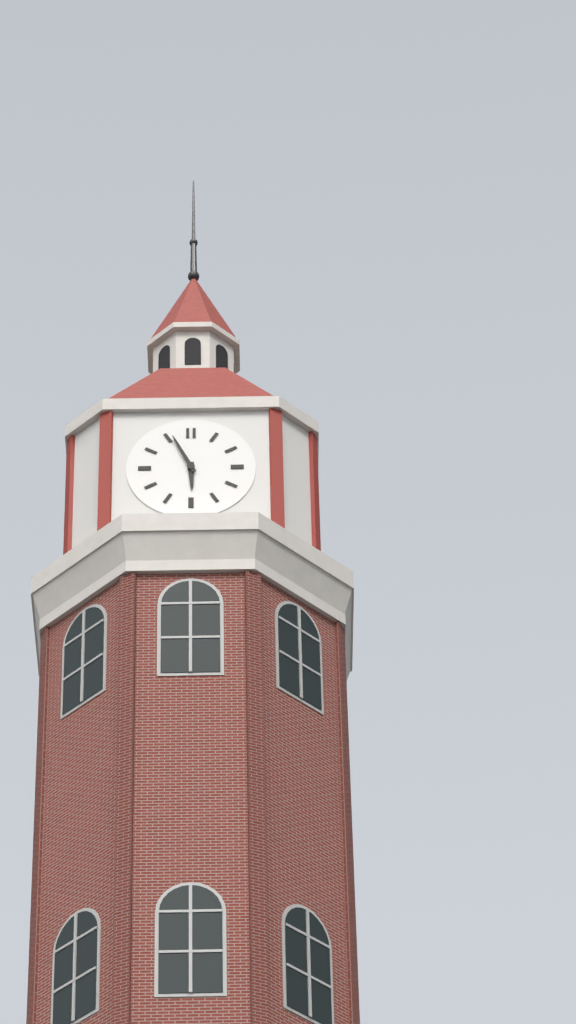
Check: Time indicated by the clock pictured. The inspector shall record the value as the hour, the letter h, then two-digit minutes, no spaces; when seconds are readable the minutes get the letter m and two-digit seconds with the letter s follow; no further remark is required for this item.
5h56
